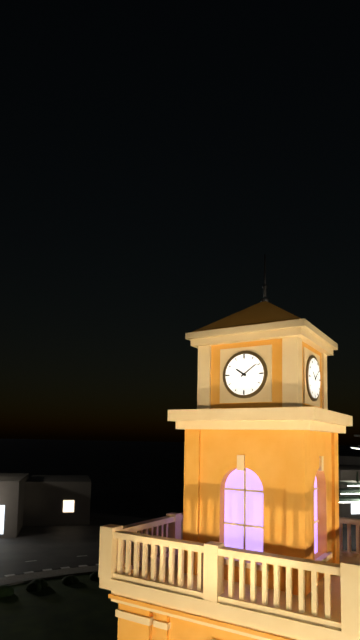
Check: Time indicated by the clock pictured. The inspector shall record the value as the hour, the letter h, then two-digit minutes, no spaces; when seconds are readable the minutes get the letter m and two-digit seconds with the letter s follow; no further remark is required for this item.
10h09
